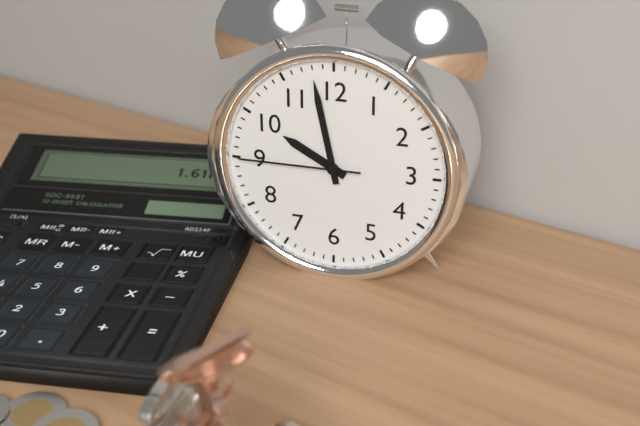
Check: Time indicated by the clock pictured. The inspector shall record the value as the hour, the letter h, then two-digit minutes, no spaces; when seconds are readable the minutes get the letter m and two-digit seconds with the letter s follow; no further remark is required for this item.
9h58m45s
